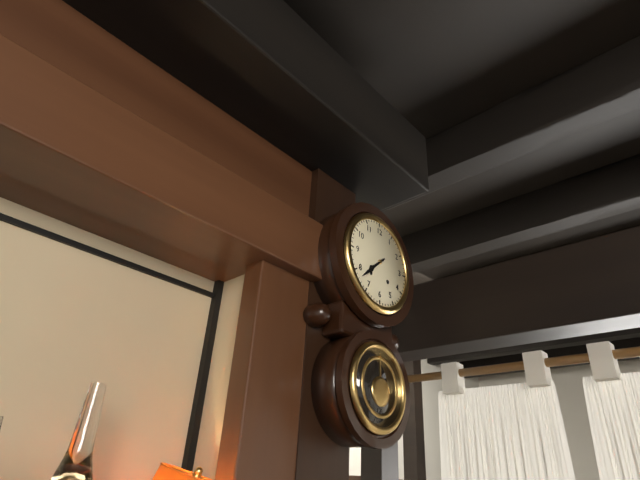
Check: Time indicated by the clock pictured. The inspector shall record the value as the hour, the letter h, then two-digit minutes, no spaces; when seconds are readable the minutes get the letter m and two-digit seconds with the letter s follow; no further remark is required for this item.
7h38
